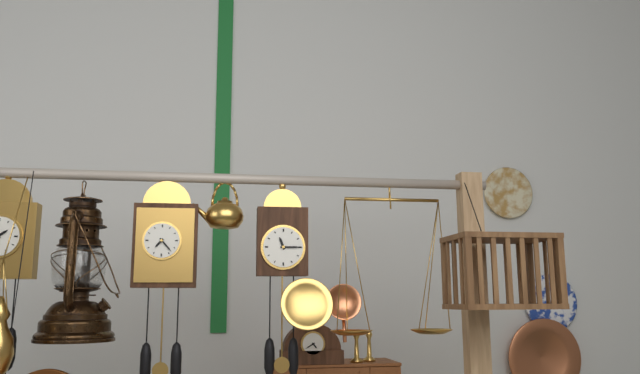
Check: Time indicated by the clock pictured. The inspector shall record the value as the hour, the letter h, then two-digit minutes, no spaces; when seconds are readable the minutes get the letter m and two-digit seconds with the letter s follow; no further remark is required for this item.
11h15
